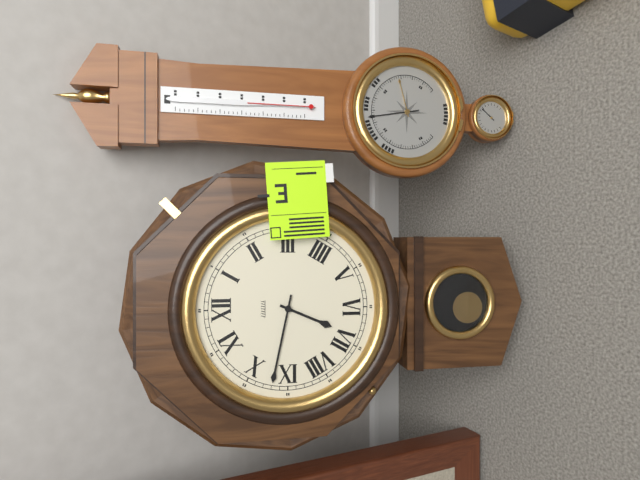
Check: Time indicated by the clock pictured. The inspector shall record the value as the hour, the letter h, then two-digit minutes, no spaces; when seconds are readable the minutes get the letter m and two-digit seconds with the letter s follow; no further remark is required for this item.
6h47
